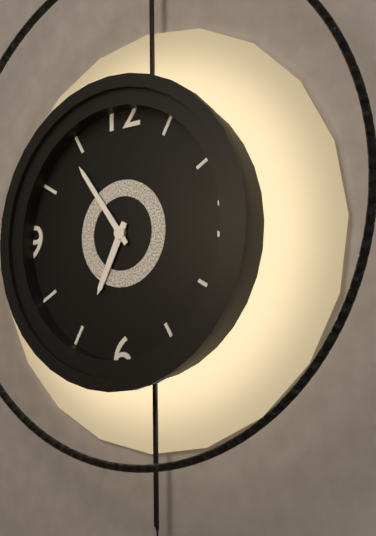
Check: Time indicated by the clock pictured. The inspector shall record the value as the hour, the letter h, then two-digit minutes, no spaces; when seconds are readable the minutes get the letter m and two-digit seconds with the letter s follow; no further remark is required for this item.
6h54
